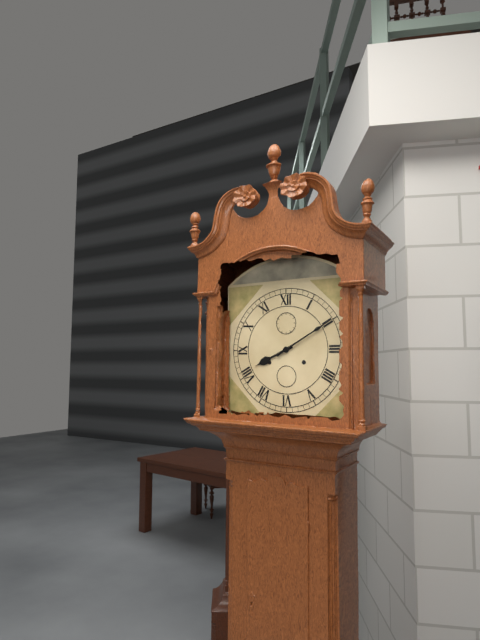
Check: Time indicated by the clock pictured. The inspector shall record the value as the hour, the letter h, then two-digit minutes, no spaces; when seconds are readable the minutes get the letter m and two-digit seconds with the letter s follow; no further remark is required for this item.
8h10
